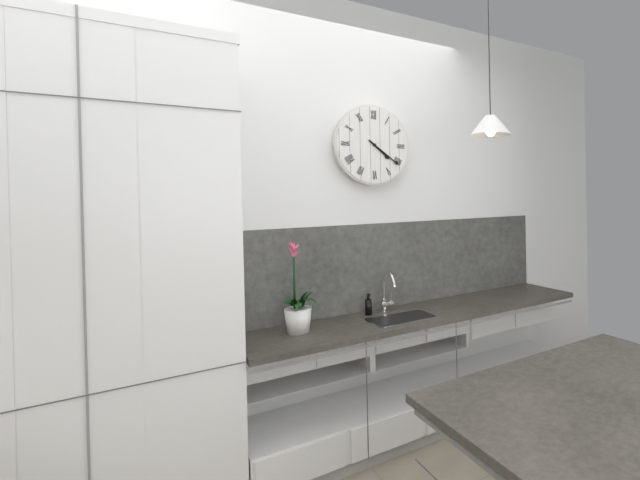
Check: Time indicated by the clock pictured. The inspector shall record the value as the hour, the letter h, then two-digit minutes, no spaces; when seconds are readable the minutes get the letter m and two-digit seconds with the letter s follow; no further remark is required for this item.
4h21
